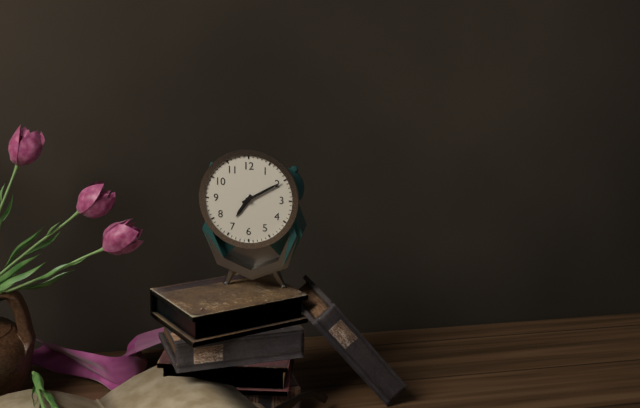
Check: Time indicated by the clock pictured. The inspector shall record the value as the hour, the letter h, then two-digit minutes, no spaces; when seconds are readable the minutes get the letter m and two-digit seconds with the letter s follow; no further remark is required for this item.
7h10
